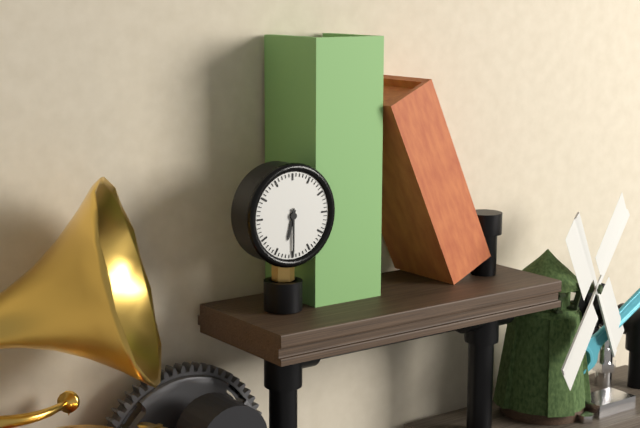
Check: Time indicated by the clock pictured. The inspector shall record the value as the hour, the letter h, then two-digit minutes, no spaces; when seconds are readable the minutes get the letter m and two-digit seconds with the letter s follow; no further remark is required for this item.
6h30
